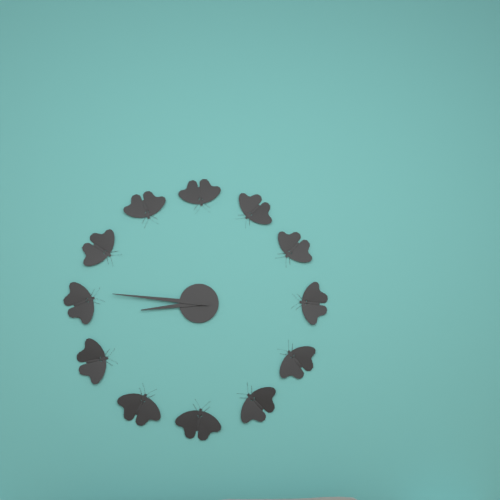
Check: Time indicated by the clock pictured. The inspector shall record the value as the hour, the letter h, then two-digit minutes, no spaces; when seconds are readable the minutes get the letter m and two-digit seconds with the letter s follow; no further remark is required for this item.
8h46
